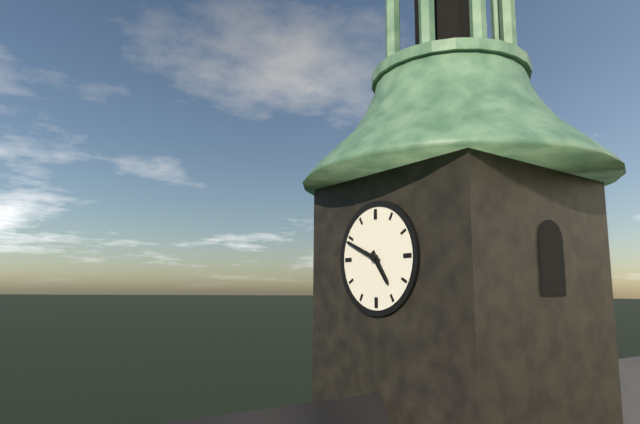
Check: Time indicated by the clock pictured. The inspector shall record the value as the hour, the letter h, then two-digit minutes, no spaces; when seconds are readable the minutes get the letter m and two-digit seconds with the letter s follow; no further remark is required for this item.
4h49
